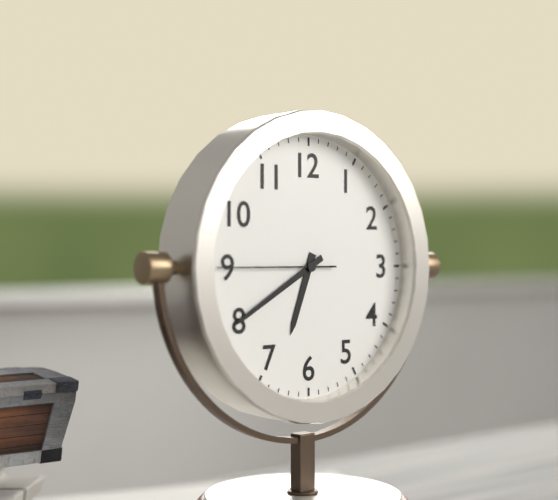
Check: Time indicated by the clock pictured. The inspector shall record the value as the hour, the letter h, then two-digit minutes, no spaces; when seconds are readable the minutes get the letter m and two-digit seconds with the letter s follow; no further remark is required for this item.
6h40m45s
